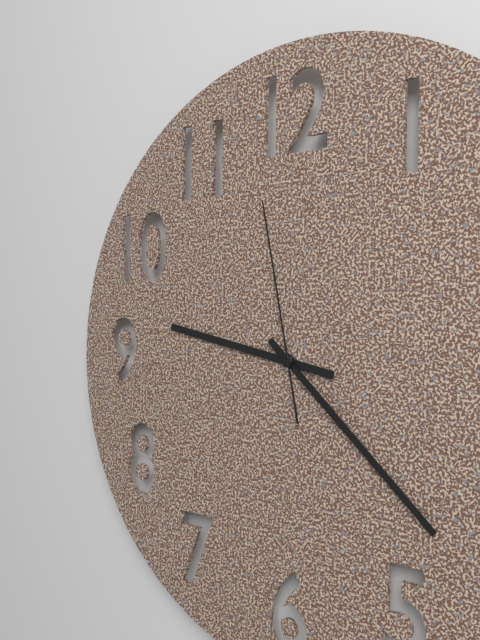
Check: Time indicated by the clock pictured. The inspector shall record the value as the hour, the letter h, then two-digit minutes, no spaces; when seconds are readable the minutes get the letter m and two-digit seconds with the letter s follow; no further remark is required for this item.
9h22m58s
